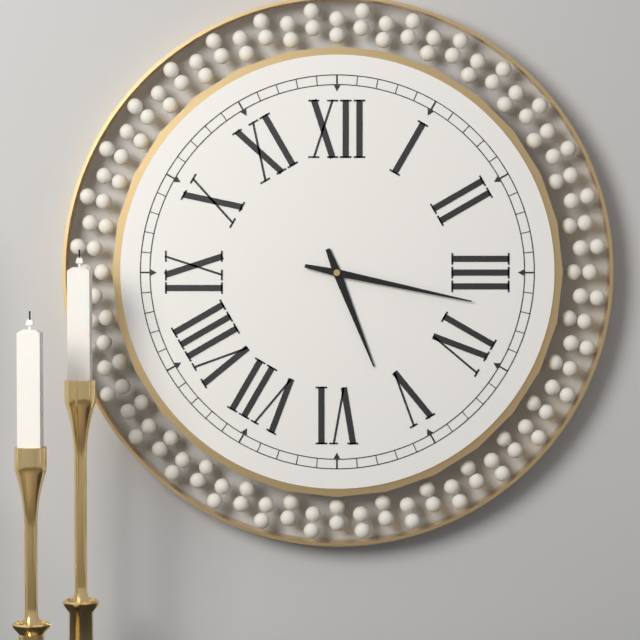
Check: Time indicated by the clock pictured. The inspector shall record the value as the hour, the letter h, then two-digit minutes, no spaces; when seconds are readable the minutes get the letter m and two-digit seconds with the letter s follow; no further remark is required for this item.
5h17
